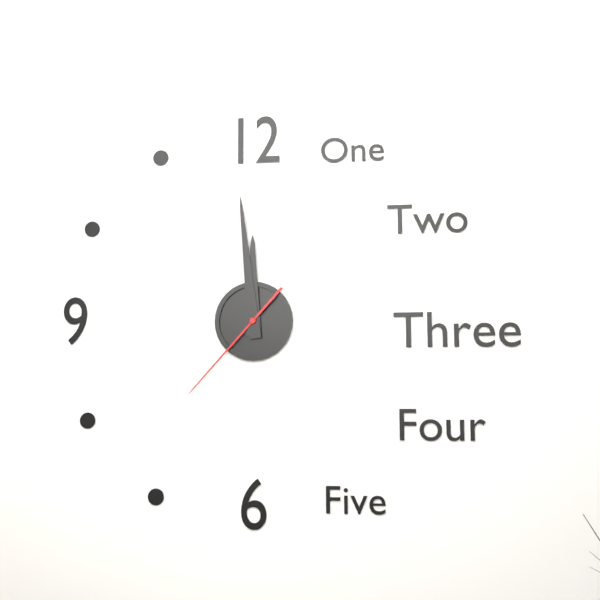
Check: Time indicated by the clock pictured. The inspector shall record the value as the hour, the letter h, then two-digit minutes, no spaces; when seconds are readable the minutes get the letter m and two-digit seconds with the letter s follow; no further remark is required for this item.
11h59m37s
